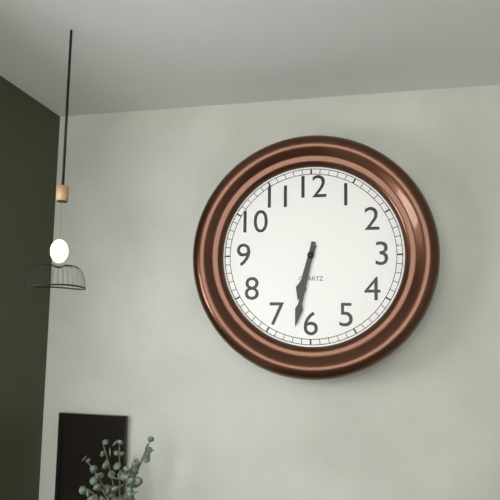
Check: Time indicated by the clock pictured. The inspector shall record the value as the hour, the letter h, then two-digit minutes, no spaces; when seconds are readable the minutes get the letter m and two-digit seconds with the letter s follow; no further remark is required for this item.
6h32
